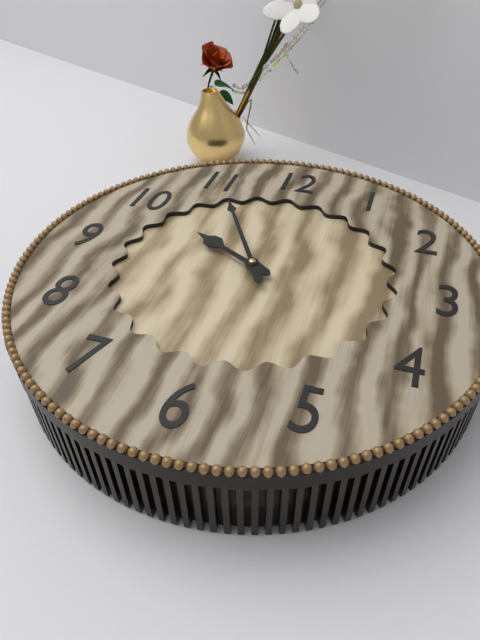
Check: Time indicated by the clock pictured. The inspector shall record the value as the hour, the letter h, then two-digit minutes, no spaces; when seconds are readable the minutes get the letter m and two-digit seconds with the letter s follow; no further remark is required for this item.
9h55
